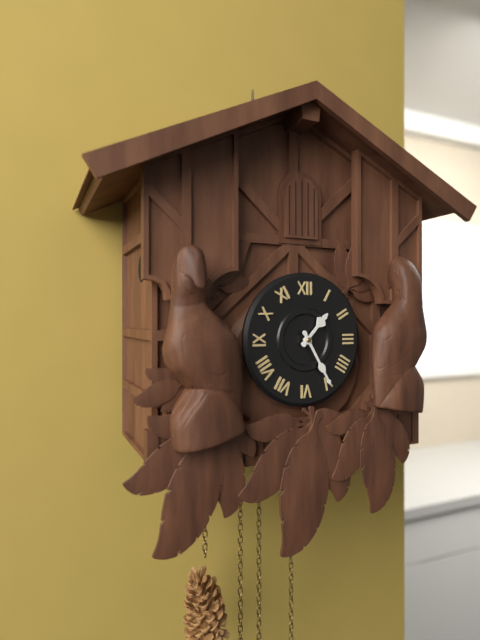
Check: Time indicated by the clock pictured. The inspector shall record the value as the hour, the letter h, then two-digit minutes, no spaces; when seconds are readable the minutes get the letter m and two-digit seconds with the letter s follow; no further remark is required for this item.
1h25
